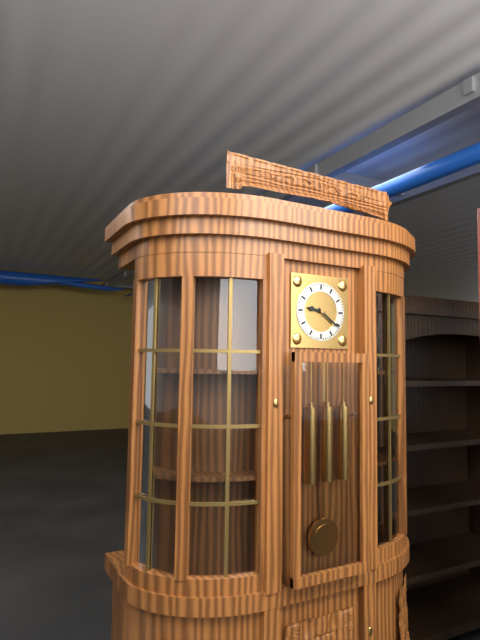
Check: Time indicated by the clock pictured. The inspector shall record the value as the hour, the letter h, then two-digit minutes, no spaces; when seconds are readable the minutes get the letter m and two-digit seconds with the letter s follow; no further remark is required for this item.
9h21
